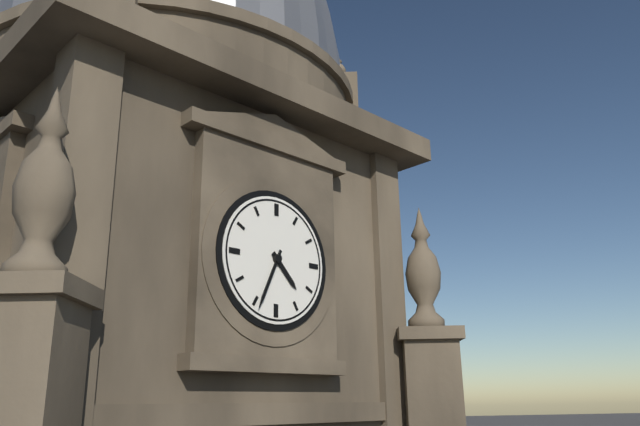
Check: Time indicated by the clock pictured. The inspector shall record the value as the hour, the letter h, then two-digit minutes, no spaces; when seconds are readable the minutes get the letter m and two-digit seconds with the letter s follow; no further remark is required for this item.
4h34
